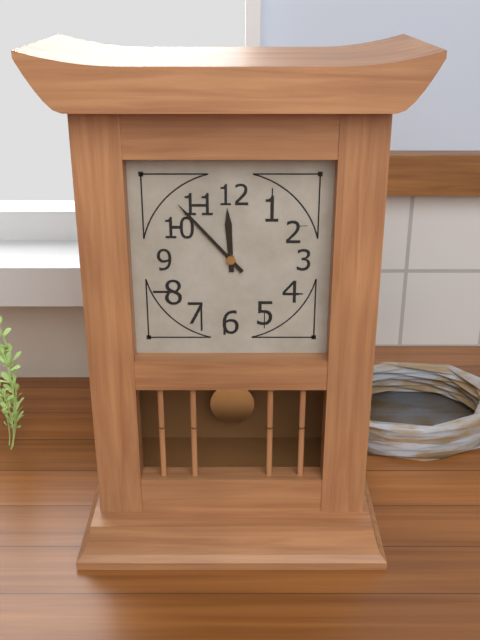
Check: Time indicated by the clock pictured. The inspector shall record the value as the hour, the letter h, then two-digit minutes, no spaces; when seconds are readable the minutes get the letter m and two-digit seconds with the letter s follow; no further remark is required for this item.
11h53
